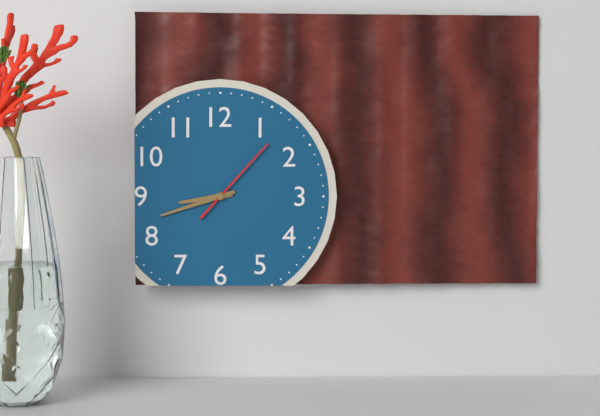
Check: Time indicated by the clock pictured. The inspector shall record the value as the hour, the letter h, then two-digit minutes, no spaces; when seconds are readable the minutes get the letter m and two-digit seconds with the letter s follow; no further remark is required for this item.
8h42m07s
